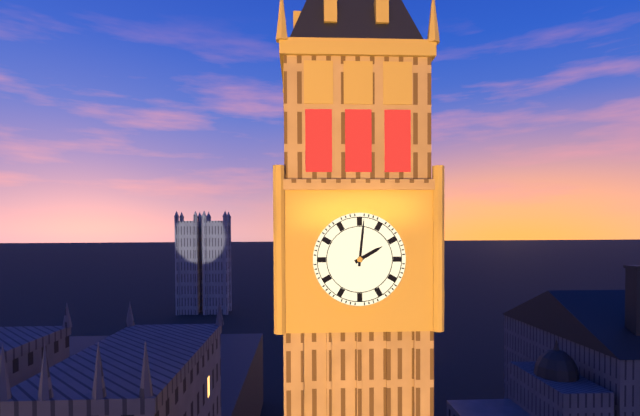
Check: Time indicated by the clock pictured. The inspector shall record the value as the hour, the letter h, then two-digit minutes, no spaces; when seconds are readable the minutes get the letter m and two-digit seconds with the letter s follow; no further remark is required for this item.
2h01
